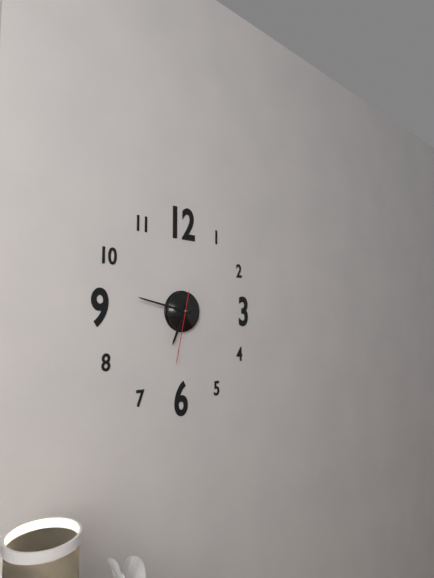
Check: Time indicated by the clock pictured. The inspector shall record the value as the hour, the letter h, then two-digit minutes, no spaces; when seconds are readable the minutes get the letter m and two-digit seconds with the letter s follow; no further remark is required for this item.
6h47m32s
